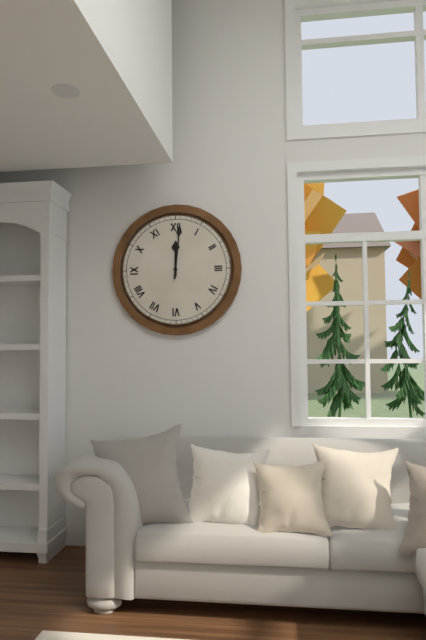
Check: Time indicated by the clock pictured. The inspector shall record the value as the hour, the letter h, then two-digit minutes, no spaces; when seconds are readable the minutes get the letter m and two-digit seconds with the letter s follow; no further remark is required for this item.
12h01
